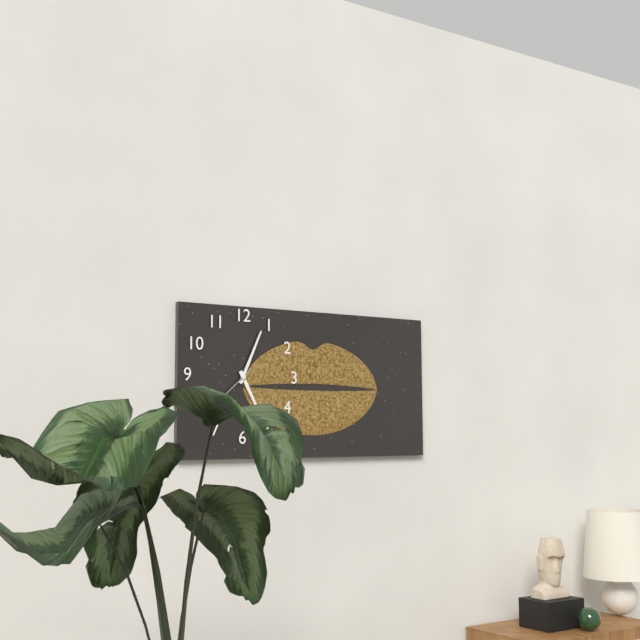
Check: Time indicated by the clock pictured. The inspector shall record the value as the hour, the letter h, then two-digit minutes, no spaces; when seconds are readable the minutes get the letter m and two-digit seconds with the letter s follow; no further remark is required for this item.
5h04m38s
